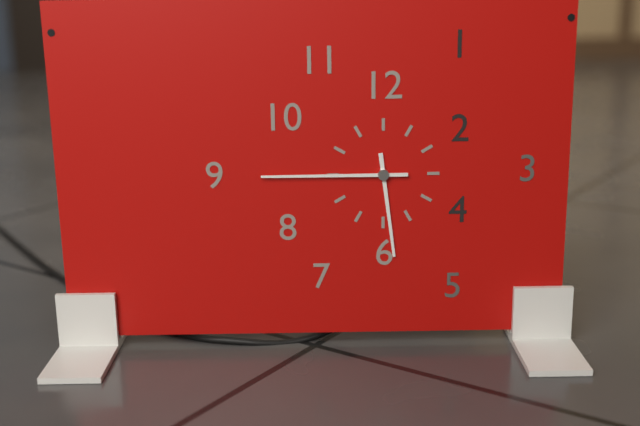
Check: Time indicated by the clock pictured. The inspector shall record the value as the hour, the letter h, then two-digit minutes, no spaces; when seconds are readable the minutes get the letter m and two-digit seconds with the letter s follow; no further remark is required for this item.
5h45
